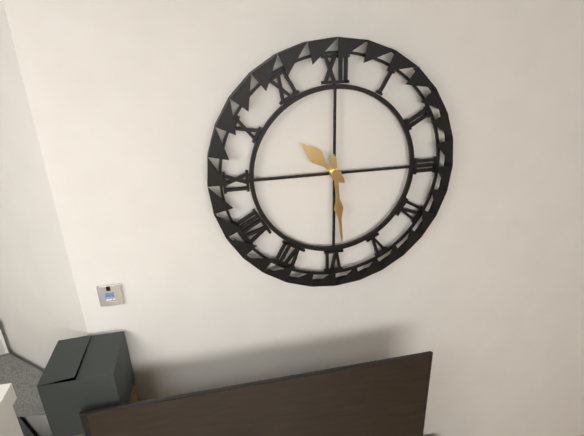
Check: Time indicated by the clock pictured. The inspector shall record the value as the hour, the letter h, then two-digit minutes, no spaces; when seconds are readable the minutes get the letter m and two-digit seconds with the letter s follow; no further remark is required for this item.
10h29
